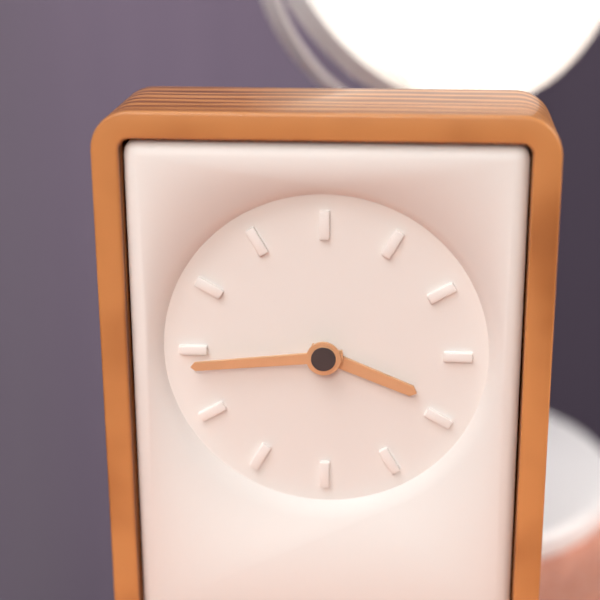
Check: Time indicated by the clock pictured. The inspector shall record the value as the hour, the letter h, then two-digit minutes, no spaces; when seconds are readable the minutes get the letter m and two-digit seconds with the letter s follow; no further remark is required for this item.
3h44
